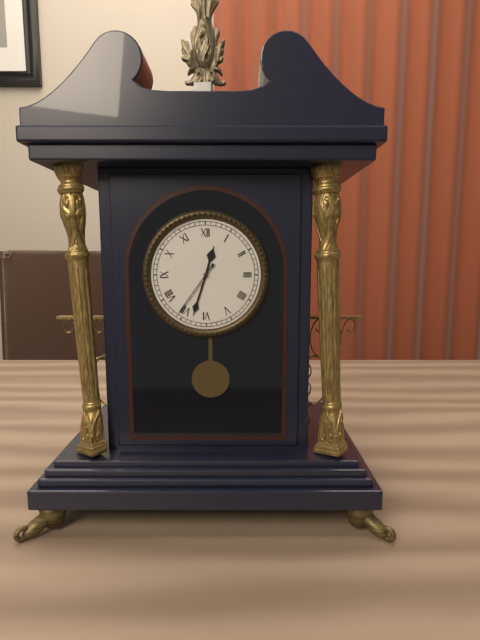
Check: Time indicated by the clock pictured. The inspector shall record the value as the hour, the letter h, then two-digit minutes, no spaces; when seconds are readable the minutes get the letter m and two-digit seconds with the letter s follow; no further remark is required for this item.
12h33m36s
